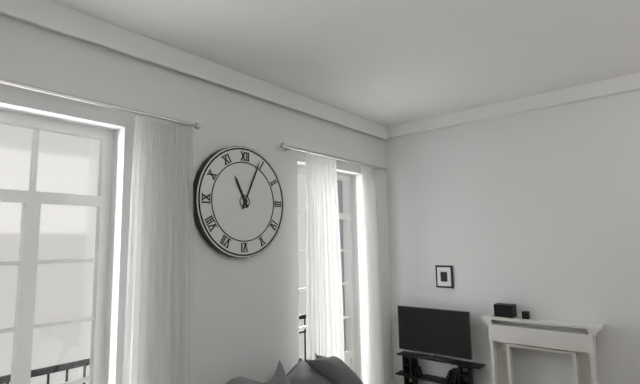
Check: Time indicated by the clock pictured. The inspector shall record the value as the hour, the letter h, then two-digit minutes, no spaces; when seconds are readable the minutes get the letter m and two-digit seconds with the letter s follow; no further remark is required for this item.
11h04
